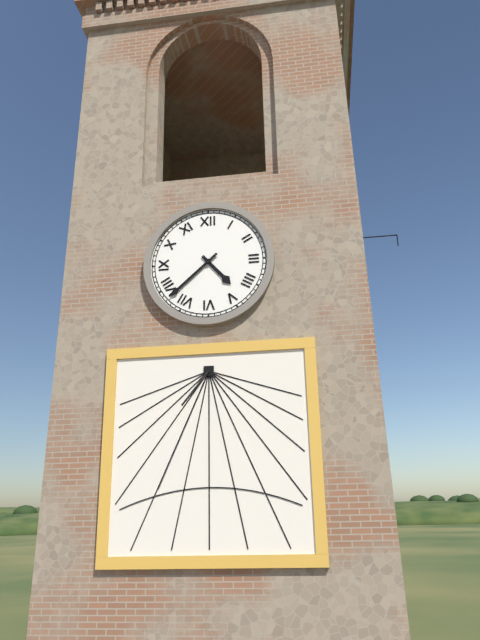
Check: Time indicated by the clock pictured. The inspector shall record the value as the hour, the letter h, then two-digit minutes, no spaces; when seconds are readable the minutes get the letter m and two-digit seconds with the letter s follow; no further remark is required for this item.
4h38
